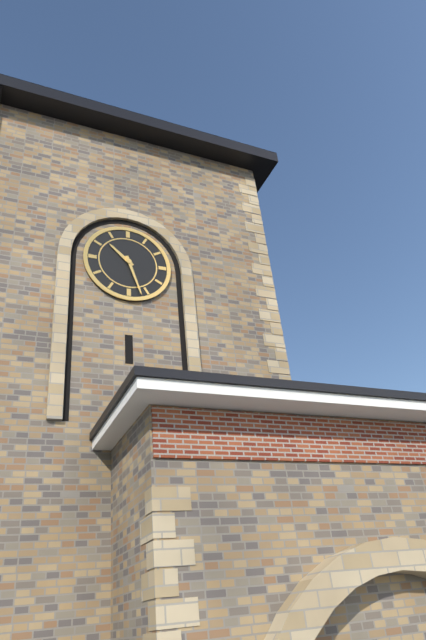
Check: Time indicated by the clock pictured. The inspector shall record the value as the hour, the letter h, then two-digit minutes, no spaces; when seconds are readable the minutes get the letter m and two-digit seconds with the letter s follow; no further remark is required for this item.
10h27
